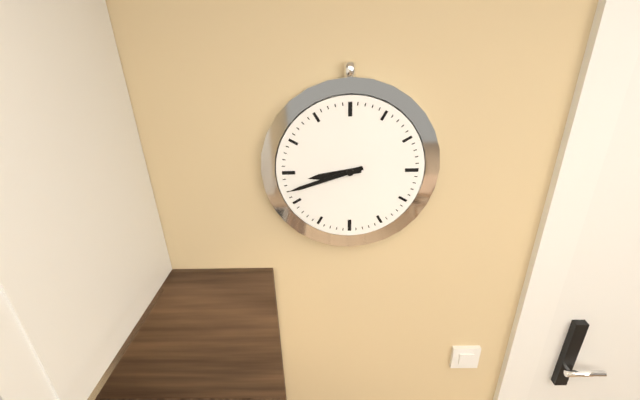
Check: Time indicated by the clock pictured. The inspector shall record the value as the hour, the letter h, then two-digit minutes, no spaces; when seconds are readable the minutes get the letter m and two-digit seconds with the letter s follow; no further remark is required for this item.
8h42
